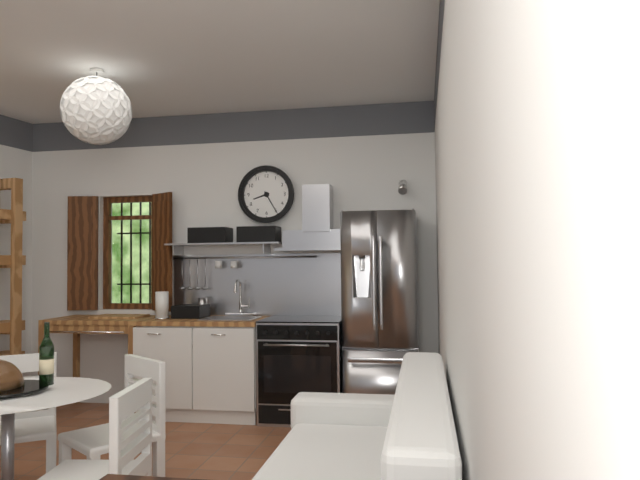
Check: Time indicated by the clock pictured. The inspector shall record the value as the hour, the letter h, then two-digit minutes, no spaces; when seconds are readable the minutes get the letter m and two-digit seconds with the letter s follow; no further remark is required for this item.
8h25
